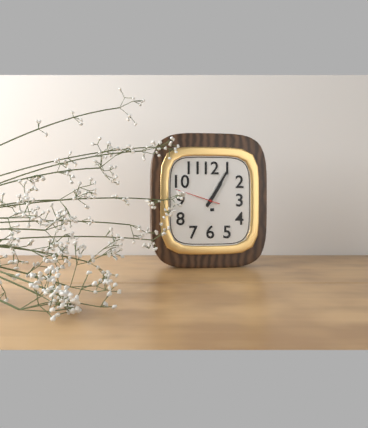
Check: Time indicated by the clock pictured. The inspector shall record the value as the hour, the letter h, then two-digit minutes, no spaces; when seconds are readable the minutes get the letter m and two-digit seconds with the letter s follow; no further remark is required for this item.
1h05
